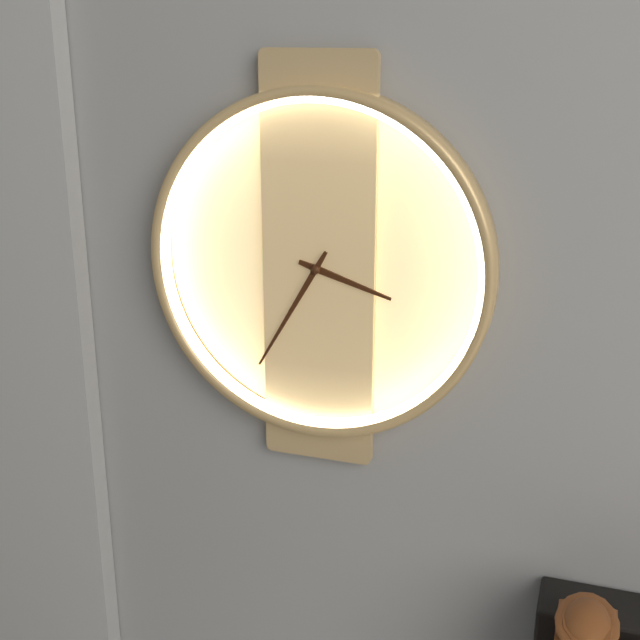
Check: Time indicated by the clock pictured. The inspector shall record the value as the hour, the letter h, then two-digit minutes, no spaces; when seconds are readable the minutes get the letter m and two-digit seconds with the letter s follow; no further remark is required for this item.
3h35
